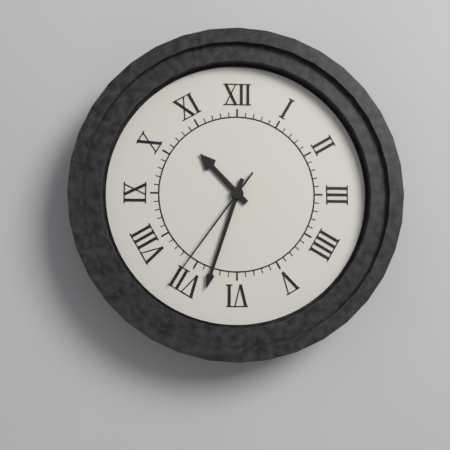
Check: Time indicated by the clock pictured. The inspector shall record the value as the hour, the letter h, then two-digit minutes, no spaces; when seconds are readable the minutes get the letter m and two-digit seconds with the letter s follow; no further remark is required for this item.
10h33m36s
